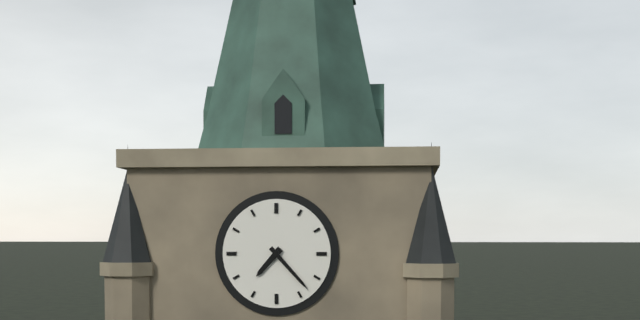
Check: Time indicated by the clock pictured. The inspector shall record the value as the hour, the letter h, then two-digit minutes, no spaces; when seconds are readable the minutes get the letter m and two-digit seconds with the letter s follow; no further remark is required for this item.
7h23
